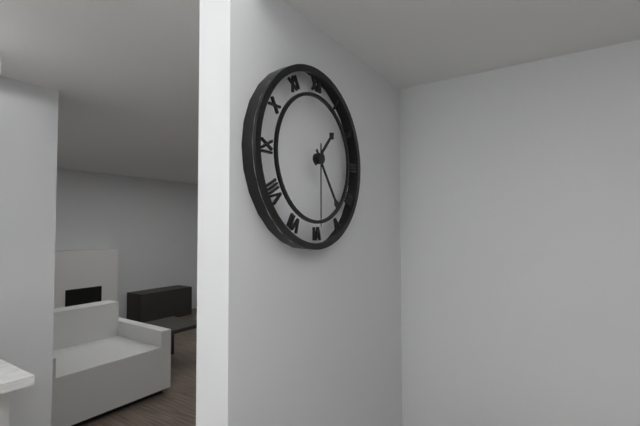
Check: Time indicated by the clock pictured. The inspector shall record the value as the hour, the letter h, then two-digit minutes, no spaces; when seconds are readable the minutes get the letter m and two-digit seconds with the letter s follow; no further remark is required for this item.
1h24m30s
